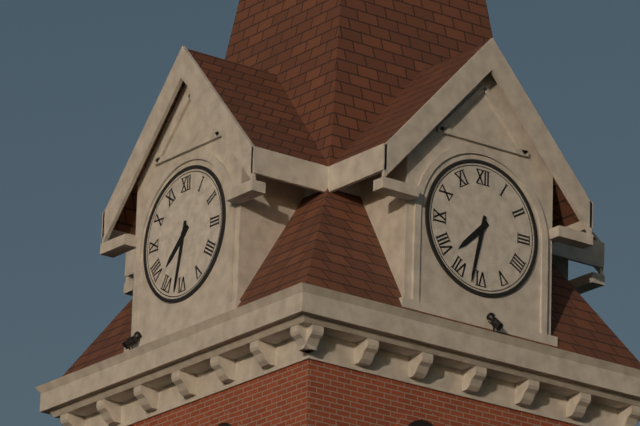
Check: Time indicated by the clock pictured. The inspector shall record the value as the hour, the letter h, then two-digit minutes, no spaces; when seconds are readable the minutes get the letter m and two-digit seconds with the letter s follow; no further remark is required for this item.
7h32
